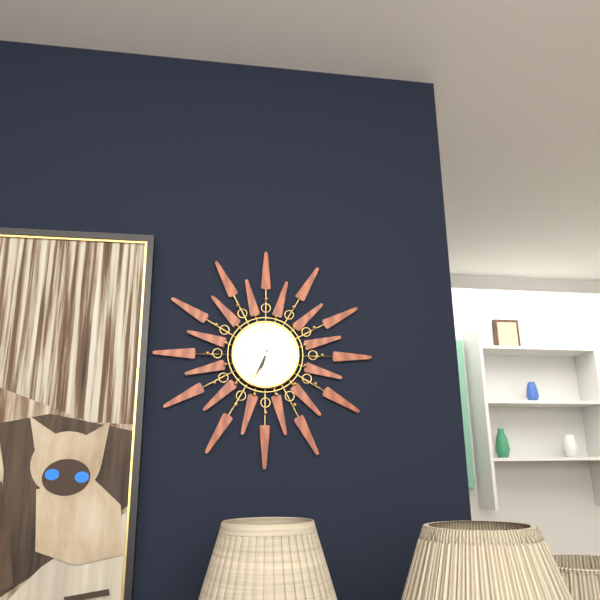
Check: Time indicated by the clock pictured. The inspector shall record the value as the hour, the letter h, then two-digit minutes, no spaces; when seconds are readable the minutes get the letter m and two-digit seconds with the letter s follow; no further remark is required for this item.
6h34
